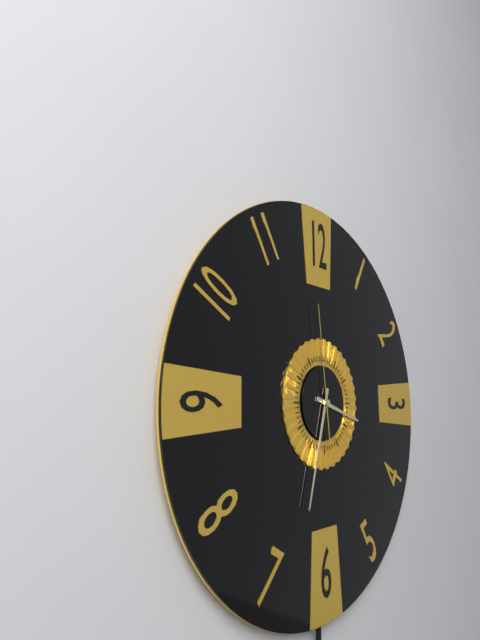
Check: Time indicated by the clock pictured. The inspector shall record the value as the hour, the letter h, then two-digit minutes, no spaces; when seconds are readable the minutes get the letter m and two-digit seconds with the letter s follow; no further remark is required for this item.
3h33m59s
